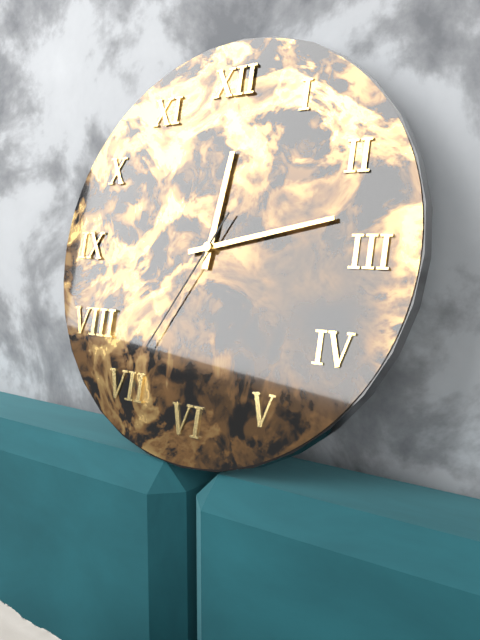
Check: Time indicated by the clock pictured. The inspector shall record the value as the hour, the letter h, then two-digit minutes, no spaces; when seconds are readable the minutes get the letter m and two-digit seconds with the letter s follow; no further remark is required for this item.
12h13m35s
